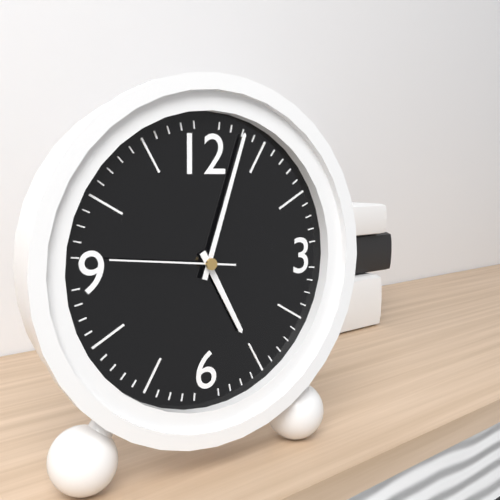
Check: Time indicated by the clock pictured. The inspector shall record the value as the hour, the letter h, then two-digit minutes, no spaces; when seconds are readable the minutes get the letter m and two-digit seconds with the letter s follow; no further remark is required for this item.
5h03m46s
